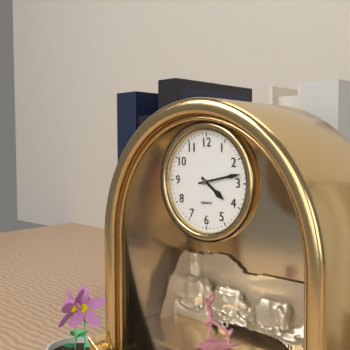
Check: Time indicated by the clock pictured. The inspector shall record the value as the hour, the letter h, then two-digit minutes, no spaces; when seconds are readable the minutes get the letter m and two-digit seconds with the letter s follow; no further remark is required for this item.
4h13
